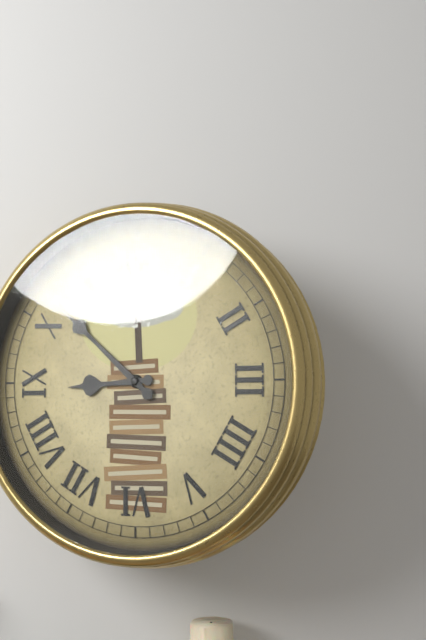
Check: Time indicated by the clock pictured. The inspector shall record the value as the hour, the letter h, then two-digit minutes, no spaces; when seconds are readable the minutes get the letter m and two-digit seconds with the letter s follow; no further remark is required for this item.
8h52
